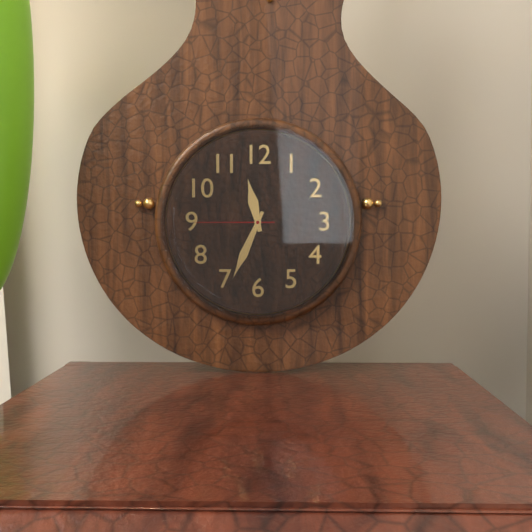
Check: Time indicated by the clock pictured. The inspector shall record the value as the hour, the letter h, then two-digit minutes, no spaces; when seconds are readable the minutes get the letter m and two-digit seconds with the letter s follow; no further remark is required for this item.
11h34m45s
